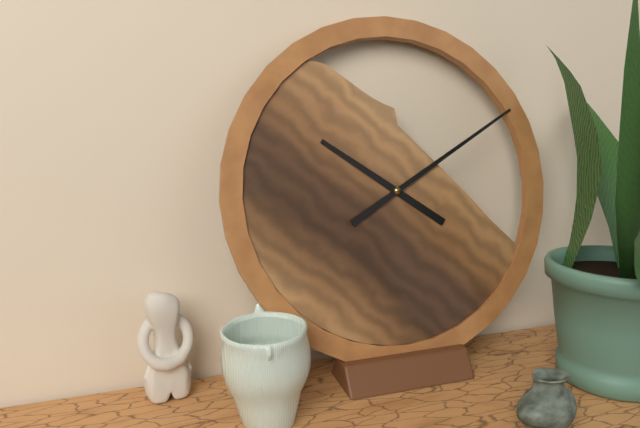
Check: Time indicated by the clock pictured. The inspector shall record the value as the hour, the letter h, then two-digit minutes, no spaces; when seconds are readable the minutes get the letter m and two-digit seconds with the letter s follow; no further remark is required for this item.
10h10
